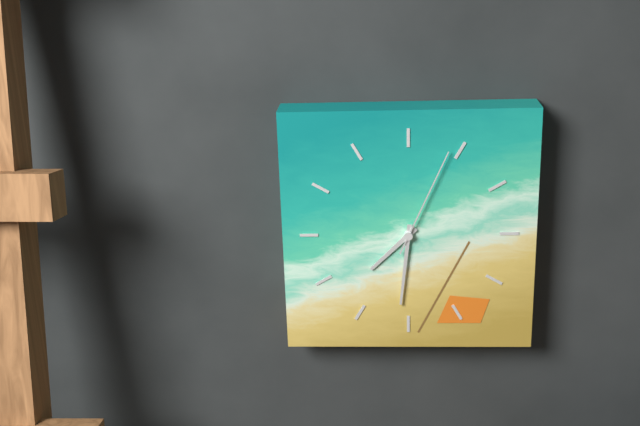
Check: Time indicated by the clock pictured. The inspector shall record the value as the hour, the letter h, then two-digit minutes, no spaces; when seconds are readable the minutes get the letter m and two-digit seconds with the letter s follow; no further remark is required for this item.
7h31m04s
